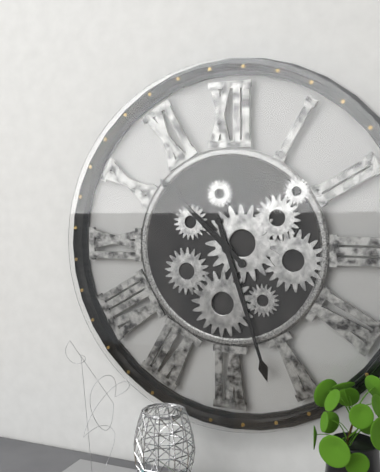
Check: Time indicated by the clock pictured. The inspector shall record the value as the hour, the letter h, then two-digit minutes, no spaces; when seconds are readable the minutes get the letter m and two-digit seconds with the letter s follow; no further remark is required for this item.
10h27
